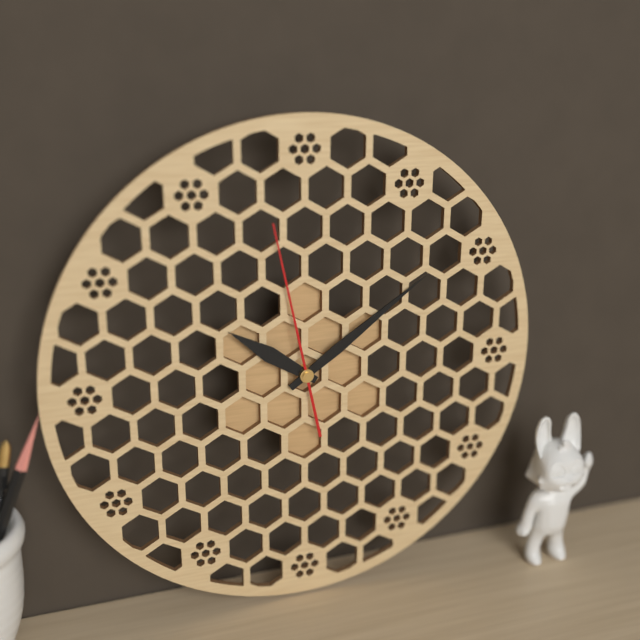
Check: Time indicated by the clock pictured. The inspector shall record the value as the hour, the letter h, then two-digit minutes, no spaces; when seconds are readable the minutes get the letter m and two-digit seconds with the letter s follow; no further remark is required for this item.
10h09m58s
